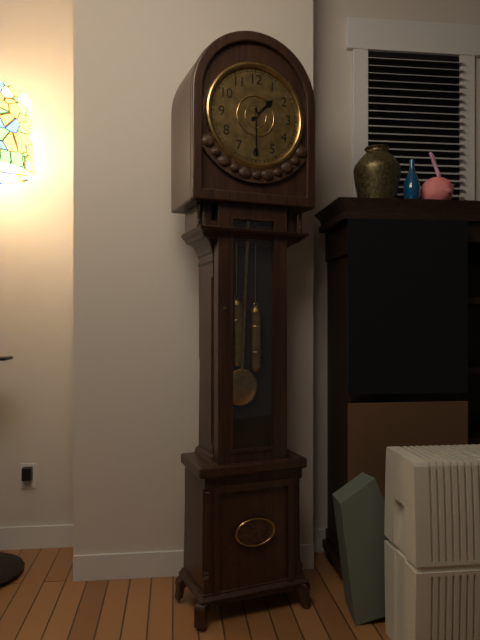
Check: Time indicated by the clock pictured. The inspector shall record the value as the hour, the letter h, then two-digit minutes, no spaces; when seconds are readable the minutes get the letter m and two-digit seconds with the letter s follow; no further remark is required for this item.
1h30
